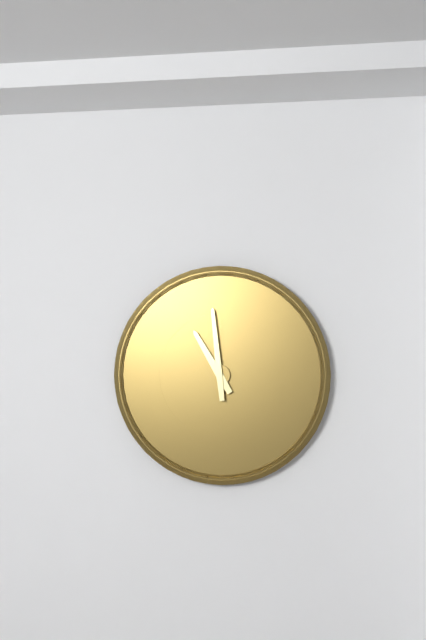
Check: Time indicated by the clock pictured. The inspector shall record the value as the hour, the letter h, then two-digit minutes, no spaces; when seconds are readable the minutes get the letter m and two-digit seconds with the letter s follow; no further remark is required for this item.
10h59
